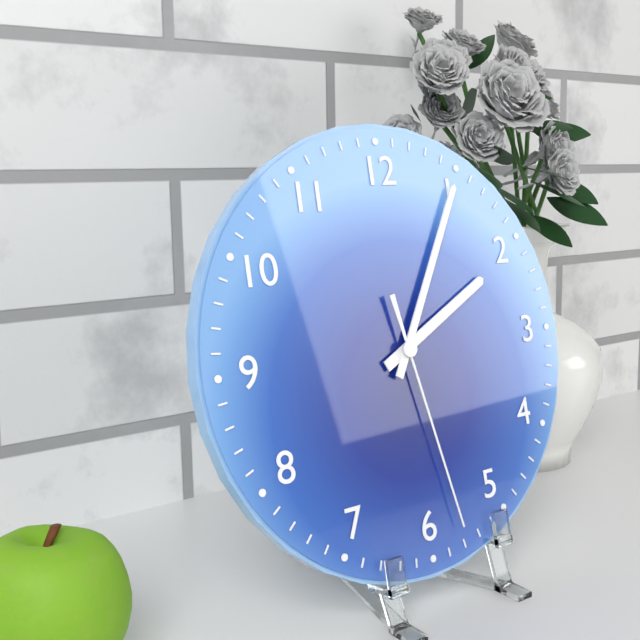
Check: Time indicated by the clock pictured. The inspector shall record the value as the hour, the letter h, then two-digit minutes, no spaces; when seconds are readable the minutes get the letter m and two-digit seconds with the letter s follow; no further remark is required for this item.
2h05m28s
